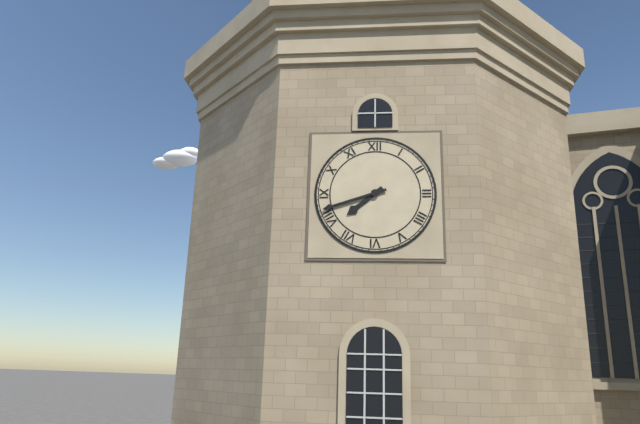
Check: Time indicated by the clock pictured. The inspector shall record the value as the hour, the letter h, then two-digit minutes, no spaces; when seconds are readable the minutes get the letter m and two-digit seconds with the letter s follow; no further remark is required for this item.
7h42
